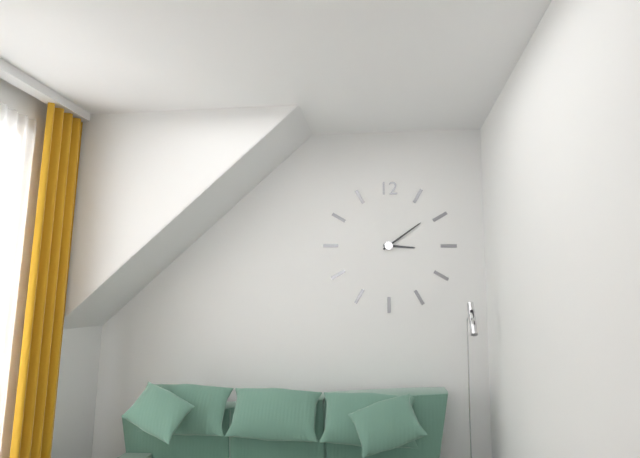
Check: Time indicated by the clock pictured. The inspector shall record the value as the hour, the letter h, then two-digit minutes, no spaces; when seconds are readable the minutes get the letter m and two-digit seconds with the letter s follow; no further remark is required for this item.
3h09
